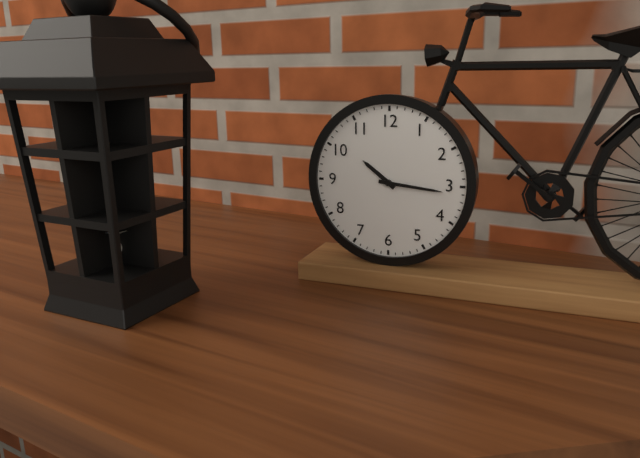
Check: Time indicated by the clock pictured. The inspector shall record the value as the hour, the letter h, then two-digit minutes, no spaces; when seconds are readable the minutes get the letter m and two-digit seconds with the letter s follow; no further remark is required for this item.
10h16
